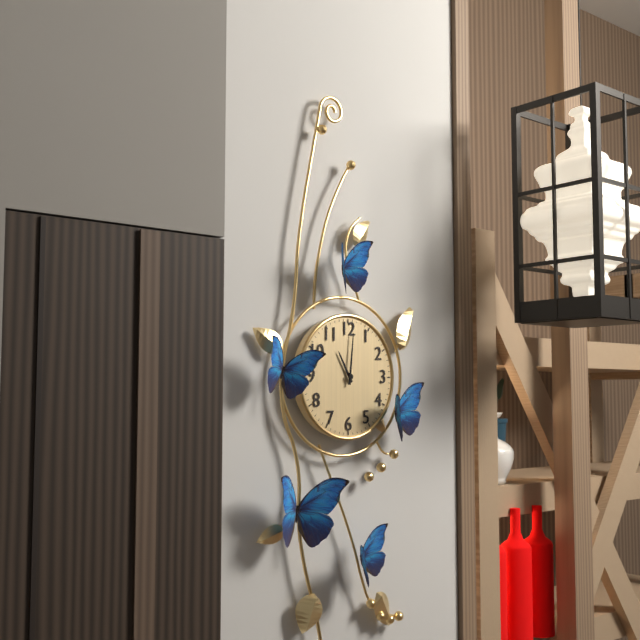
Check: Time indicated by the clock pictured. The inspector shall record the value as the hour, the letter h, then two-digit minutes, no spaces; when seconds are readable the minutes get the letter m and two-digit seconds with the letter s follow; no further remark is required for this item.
11h01
